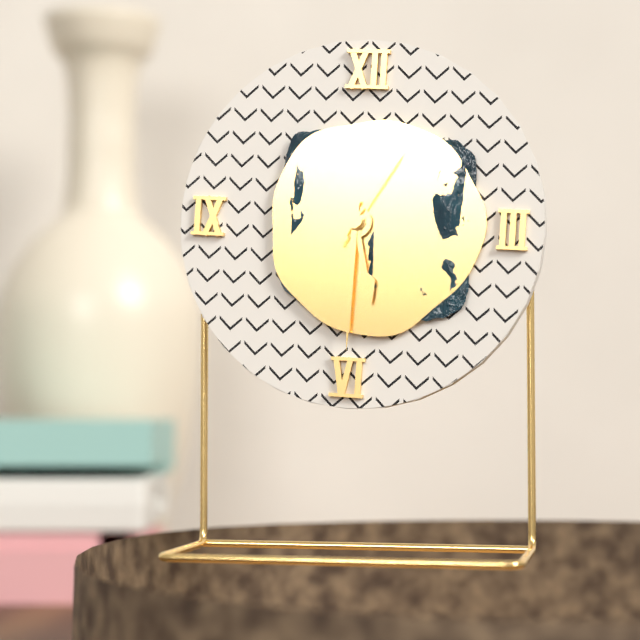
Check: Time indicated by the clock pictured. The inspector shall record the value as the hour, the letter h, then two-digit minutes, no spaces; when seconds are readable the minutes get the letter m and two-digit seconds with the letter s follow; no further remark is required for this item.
5h30m05s
